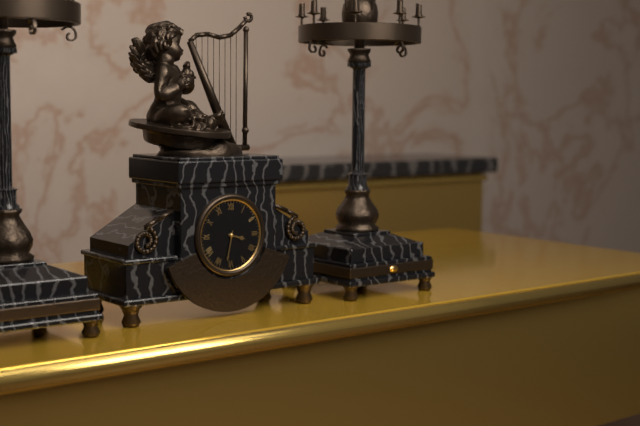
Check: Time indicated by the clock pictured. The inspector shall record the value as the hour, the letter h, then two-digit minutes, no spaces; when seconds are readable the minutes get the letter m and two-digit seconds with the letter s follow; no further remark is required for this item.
3h32
